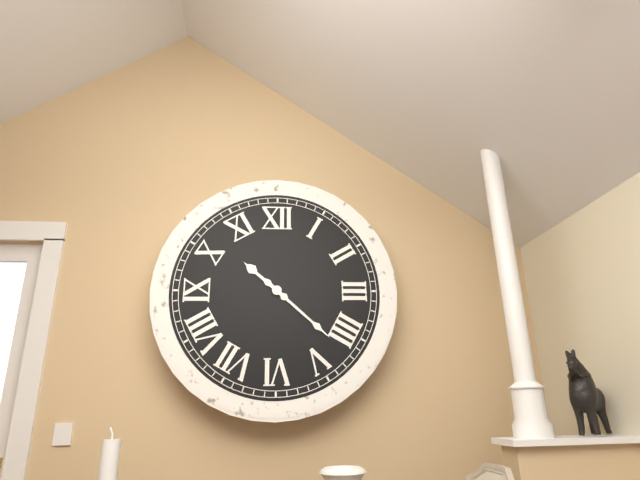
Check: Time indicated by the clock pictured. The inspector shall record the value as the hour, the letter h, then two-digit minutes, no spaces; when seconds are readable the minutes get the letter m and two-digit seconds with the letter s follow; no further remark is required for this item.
10h22
